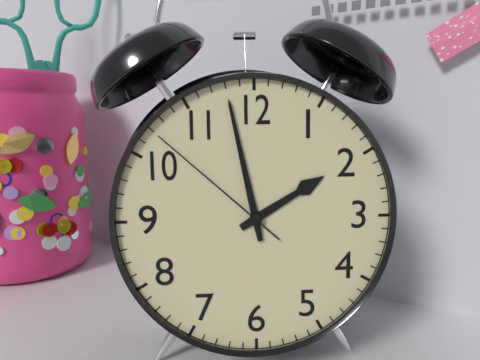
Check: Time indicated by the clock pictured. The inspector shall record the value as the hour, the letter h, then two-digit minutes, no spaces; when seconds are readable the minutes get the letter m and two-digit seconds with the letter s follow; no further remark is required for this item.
1h58m52s
